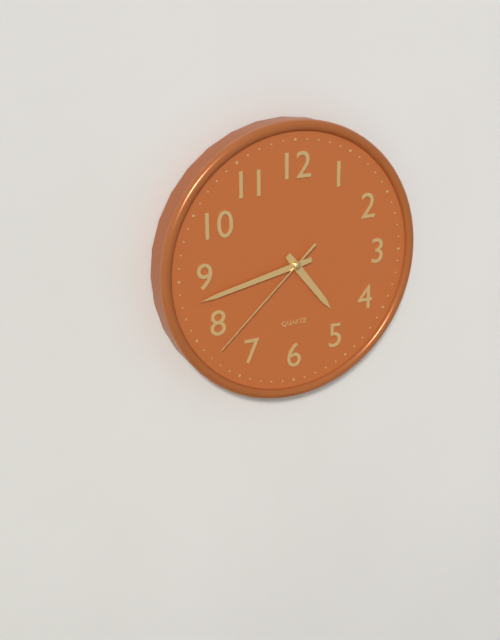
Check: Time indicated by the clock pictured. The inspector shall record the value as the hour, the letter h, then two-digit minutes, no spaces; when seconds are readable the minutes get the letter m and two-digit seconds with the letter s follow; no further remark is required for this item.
4h43m38s
